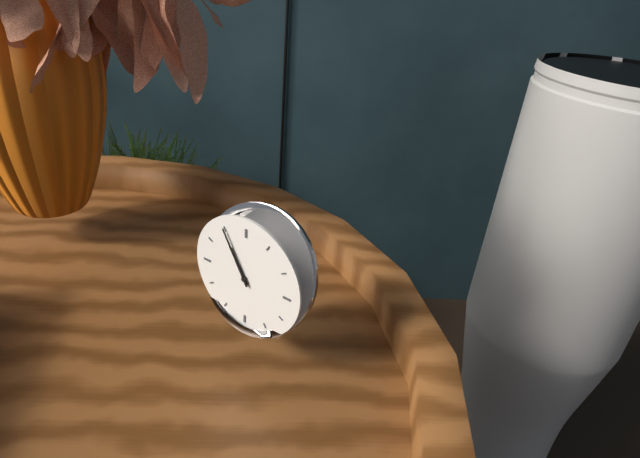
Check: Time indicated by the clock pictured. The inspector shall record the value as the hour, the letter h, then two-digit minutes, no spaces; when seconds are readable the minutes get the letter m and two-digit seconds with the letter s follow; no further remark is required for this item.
10h55
